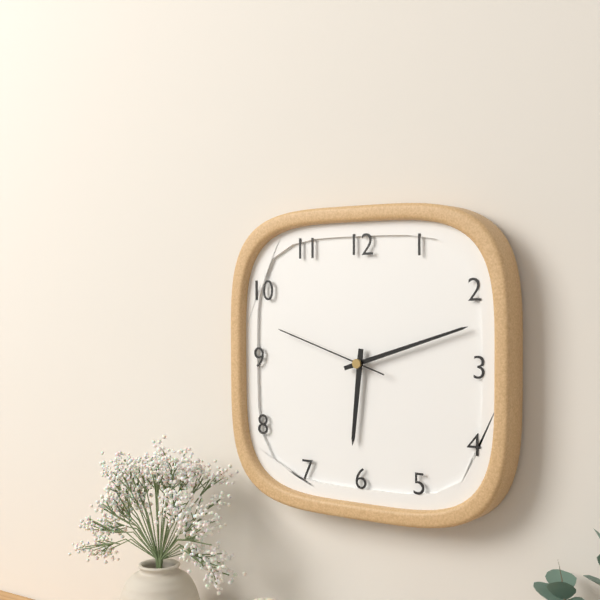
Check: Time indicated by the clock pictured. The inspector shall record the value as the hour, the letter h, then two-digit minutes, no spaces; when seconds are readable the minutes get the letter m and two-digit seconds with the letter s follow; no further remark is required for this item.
6h12m48s
